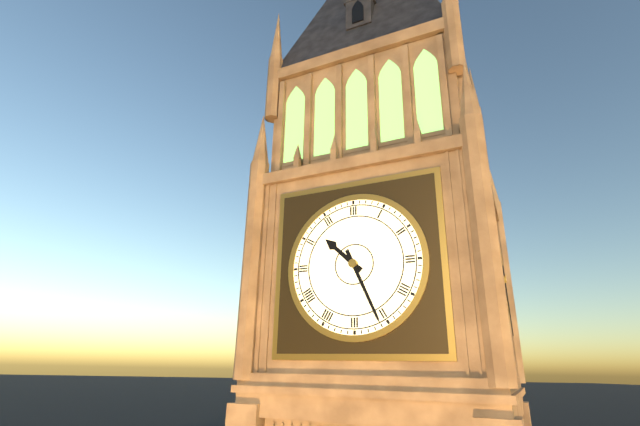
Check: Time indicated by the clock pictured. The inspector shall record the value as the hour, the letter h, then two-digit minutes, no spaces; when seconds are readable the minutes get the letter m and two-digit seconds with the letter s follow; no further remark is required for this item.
10h26
